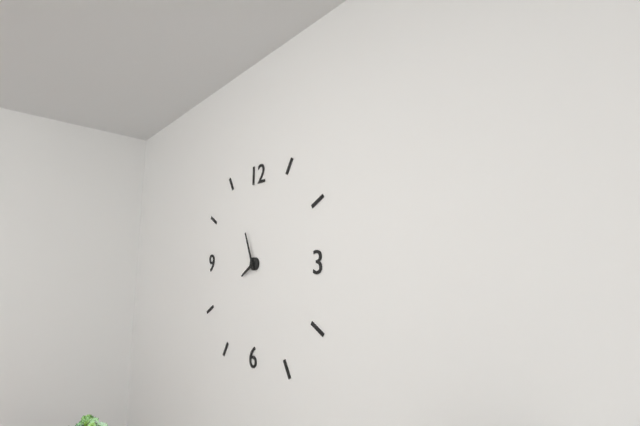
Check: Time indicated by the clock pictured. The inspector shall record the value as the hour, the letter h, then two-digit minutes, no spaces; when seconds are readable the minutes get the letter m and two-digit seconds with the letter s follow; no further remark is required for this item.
7h56
